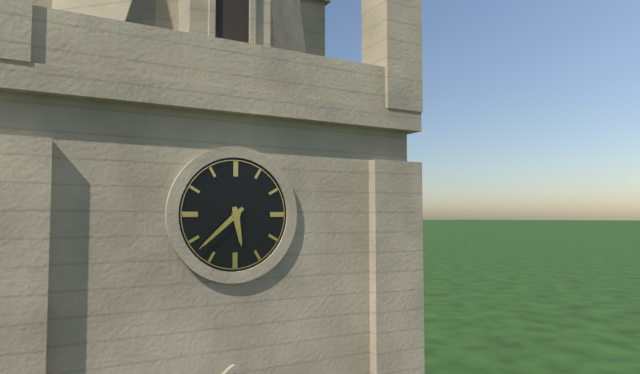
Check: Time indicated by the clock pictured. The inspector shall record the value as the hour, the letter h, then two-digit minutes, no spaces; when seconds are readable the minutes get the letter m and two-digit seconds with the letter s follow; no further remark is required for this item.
5h38
